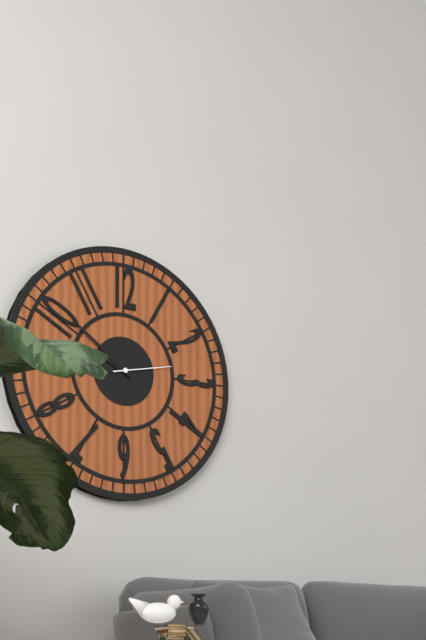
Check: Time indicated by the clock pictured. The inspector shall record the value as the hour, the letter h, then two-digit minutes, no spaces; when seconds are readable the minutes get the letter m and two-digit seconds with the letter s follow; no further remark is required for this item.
9h51m13s
